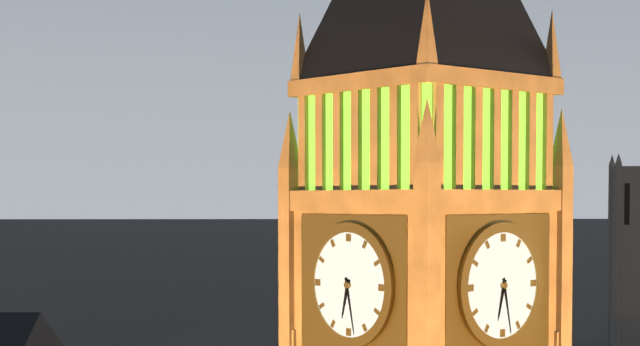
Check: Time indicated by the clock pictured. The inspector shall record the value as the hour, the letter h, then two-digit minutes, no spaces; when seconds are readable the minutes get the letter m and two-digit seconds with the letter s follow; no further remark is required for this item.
6h28
